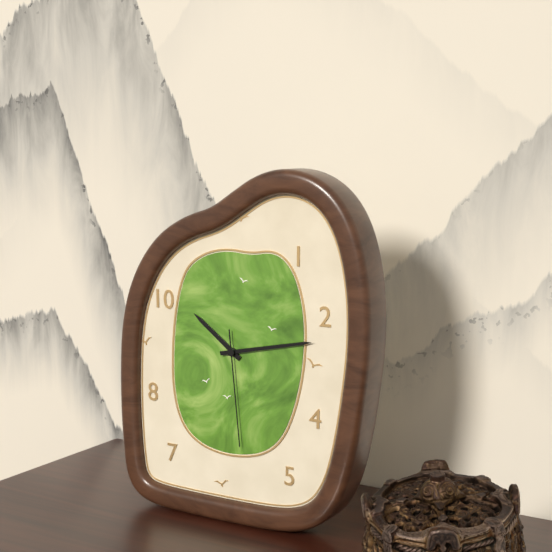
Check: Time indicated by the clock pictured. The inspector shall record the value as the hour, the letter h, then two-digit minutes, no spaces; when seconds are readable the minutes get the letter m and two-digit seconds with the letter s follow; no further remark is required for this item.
10h13m29s
